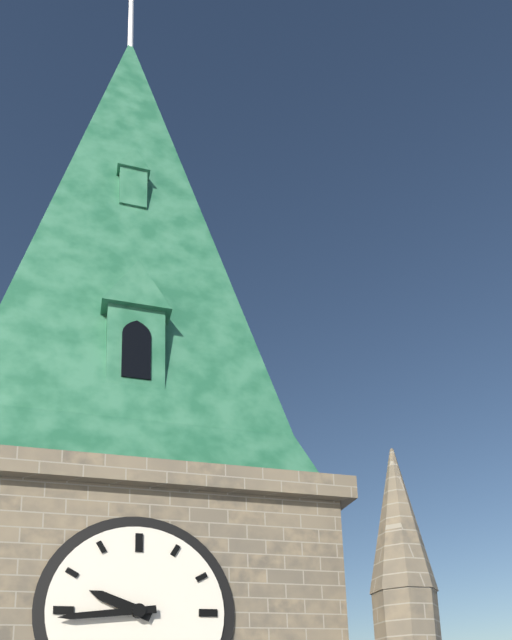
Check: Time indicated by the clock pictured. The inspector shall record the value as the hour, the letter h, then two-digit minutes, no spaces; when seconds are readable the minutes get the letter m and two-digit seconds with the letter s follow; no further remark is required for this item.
9h44
